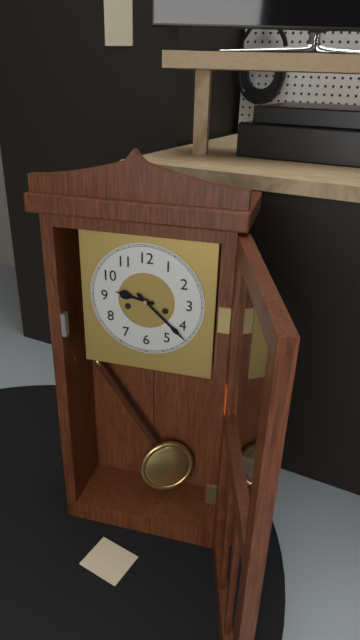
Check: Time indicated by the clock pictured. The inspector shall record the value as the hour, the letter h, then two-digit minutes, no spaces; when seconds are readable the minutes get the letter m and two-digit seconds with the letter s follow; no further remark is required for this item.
9h22
